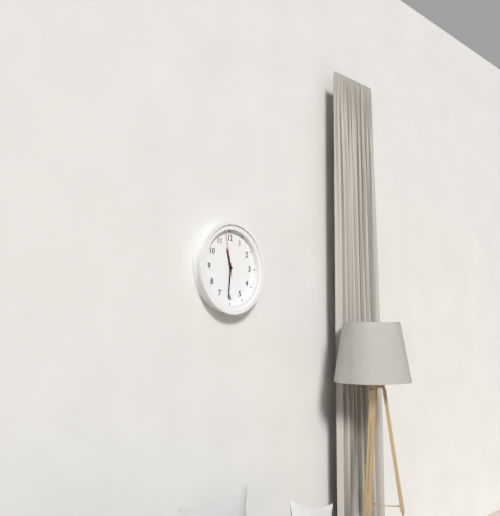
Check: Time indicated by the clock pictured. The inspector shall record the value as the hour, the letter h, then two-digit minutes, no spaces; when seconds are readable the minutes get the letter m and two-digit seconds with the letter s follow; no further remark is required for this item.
11h31
